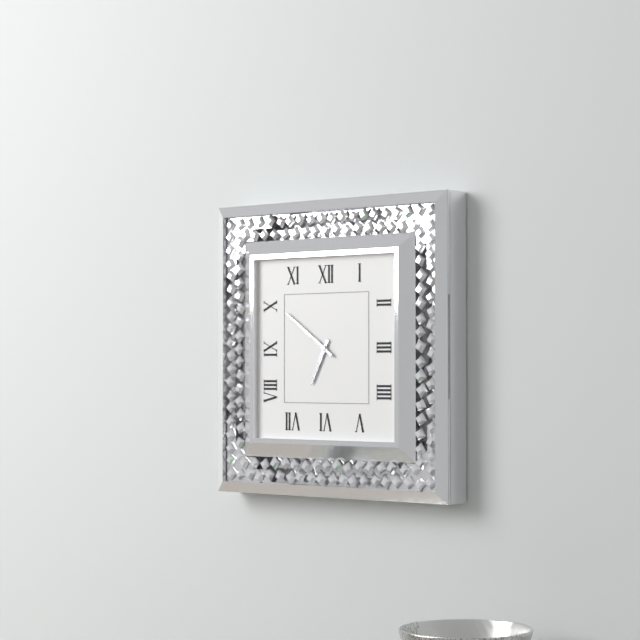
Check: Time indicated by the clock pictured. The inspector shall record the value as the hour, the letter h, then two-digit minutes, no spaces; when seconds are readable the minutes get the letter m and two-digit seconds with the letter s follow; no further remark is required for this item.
6h51
